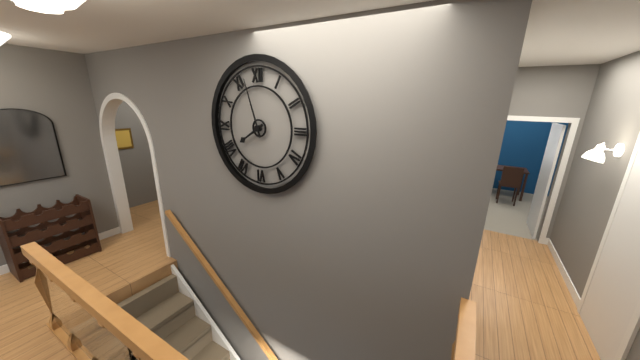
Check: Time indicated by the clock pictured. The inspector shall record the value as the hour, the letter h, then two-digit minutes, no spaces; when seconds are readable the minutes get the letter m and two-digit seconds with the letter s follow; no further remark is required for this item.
7h57
